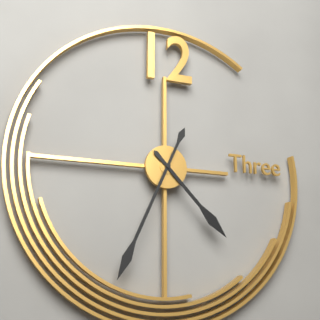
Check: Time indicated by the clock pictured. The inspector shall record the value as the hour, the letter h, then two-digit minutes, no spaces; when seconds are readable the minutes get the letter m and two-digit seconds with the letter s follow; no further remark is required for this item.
4h34
